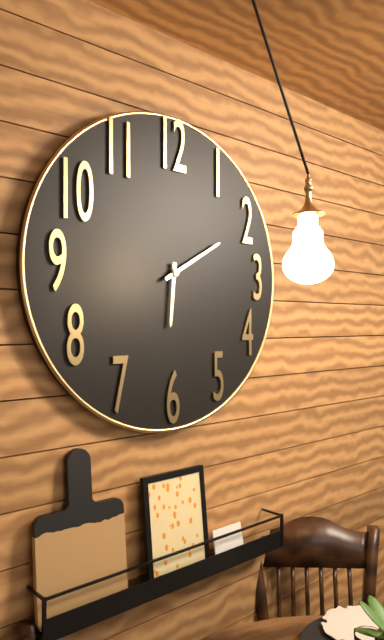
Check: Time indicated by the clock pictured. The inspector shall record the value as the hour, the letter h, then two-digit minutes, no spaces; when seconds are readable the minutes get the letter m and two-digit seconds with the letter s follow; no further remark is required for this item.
6h10
